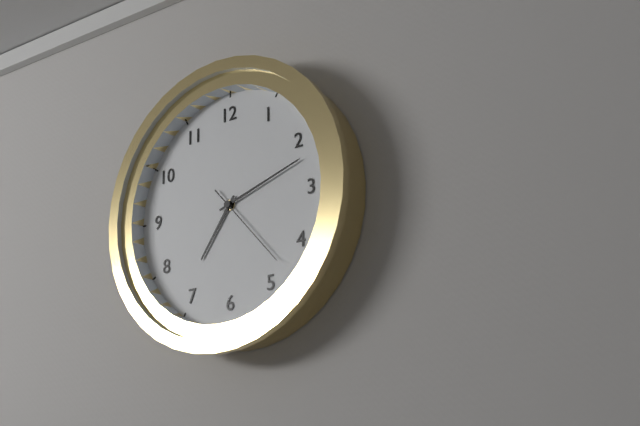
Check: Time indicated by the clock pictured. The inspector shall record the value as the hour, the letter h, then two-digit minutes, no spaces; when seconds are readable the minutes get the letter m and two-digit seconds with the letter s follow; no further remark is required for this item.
7h12m23s
